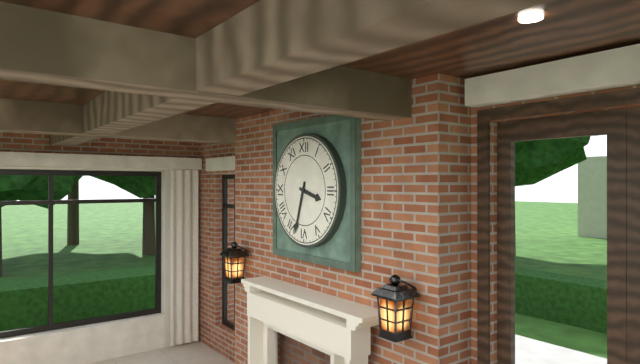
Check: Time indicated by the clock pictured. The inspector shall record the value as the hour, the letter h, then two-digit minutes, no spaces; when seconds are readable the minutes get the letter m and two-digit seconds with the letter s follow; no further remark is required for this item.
3h33
